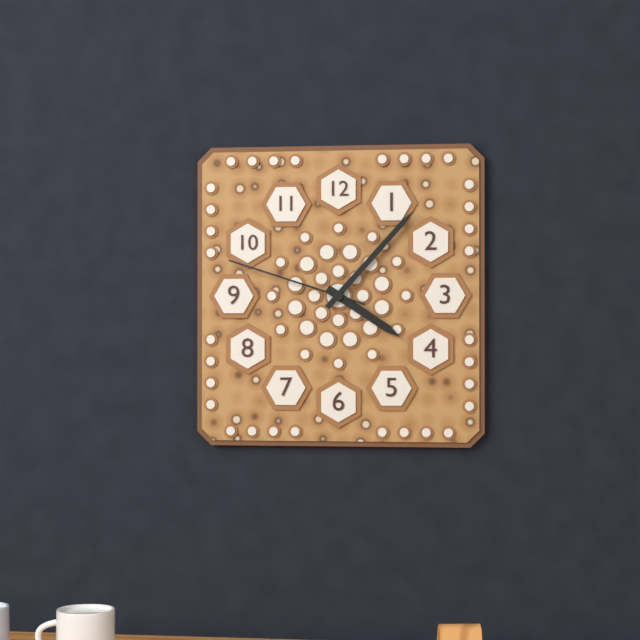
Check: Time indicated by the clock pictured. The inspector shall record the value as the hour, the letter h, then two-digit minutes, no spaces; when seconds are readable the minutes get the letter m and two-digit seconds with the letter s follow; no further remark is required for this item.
4h07m48s
